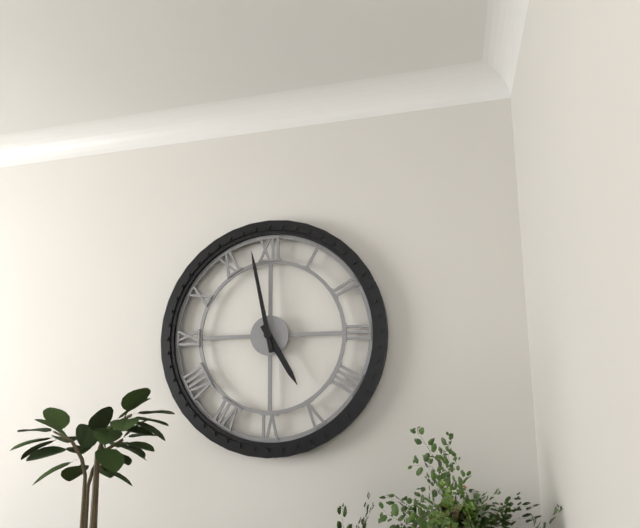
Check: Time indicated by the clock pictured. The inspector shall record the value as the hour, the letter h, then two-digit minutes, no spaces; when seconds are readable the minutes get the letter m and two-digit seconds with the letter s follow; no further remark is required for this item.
4h58
